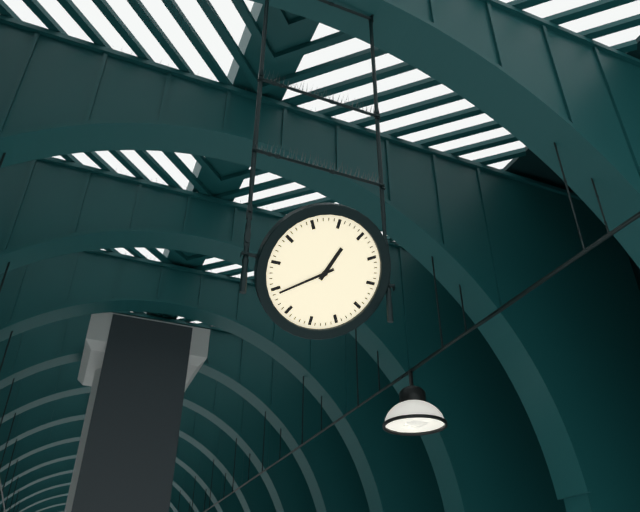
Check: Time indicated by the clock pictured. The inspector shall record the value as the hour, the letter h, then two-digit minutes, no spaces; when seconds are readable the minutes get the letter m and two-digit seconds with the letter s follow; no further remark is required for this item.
12h39
